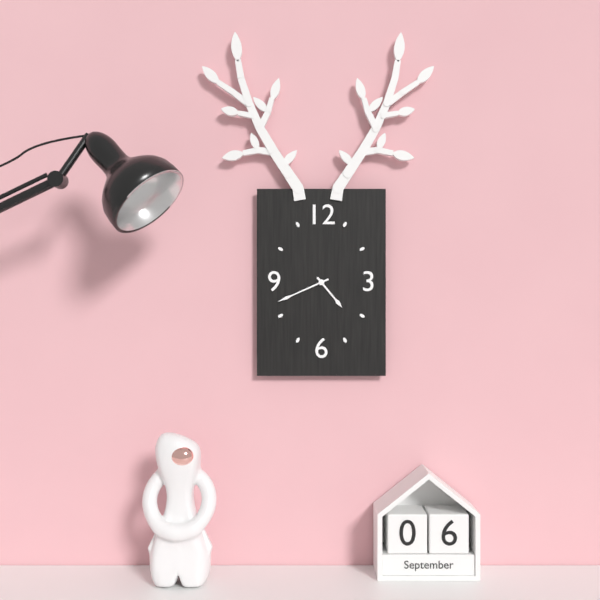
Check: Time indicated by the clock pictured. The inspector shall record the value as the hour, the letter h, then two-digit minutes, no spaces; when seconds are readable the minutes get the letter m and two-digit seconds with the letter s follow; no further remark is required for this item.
4h41
